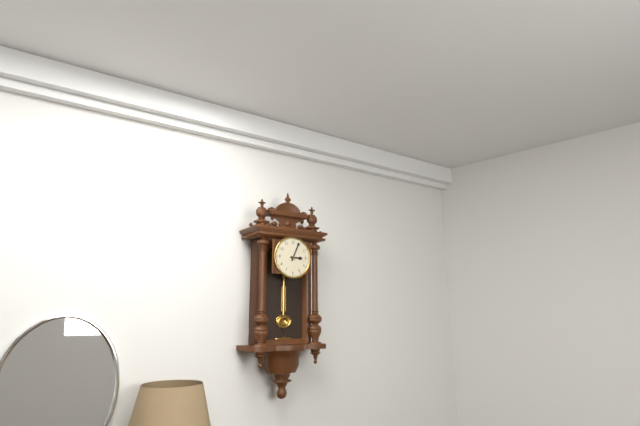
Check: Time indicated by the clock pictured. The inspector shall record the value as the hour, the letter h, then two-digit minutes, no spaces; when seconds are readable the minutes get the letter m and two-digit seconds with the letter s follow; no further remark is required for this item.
3h04
